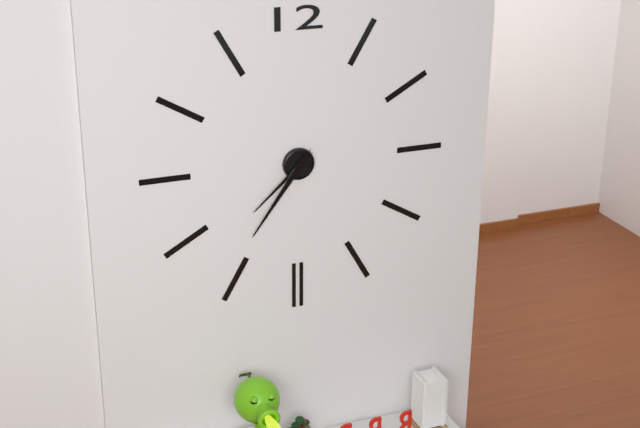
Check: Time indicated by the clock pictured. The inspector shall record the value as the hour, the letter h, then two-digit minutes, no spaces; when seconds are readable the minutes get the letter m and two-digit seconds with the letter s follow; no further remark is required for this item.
7h36
